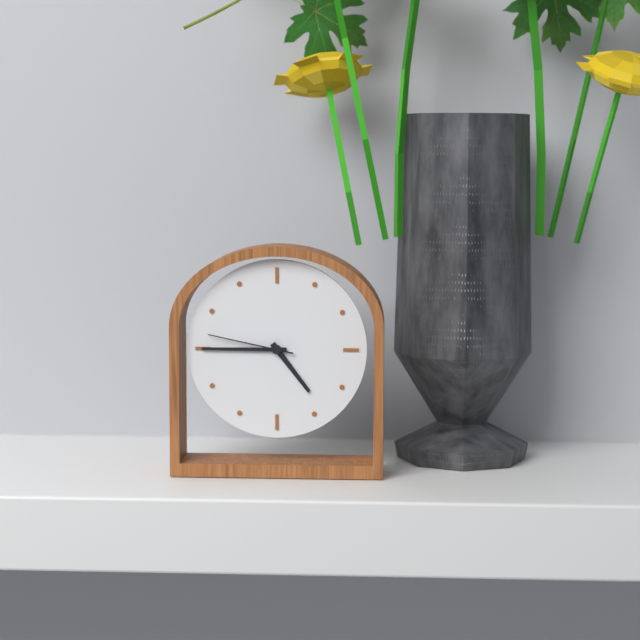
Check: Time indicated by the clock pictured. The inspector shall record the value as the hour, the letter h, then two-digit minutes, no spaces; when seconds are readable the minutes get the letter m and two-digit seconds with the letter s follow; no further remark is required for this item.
4h45m47s
